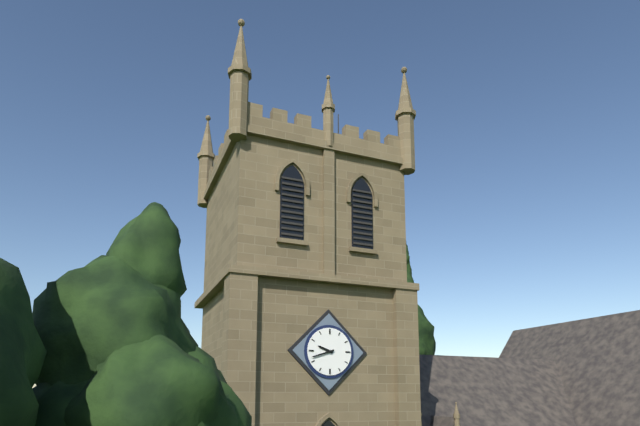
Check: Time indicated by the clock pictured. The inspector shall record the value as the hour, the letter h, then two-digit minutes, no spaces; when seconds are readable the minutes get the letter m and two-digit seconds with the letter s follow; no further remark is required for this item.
9h42
